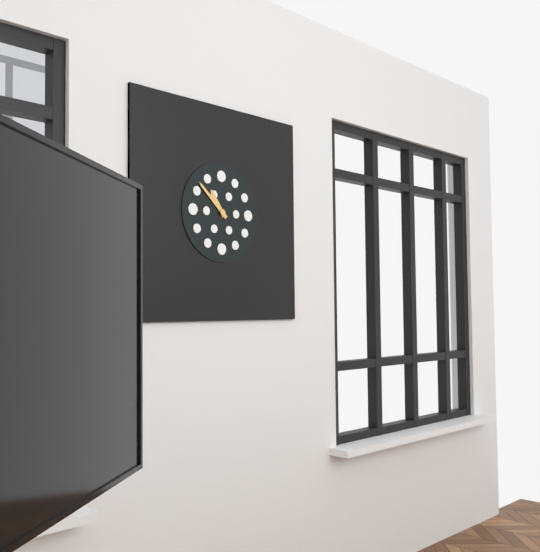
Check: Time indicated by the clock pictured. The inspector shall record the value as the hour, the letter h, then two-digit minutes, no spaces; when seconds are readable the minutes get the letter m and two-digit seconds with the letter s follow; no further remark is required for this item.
10h52
